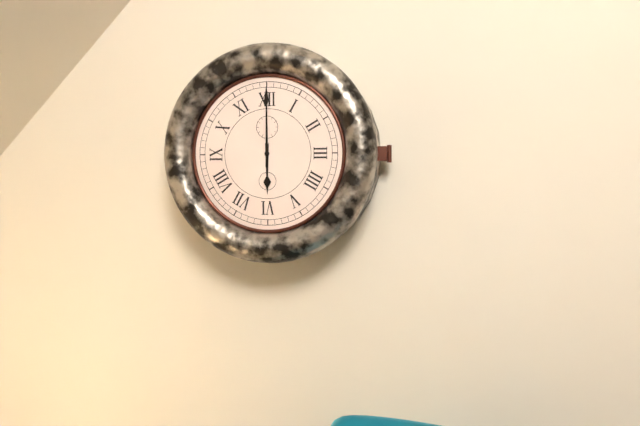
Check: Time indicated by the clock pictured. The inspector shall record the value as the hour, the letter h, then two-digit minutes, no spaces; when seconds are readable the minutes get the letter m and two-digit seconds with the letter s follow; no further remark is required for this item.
6h00
